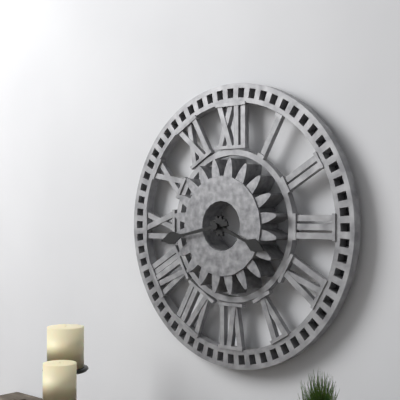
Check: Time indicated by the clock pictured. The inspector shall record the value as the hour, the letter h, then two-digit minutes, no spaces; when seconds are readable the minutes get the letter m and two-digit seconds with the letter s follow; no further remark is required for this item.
3h43
